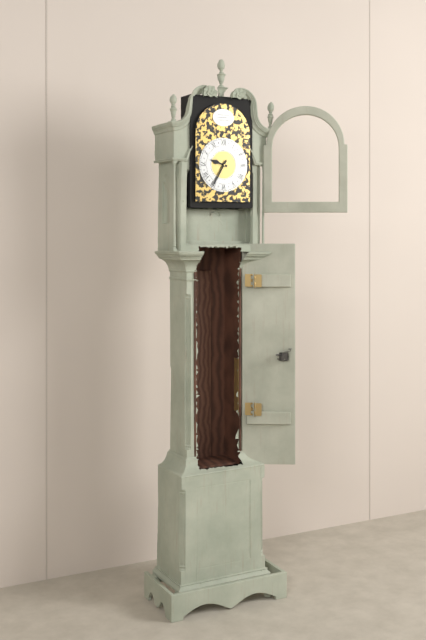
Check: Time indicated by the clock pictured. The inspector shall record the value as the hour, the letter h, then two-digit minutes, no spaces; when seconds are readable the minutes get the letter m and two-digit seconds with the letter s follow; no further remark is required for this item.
9h35
